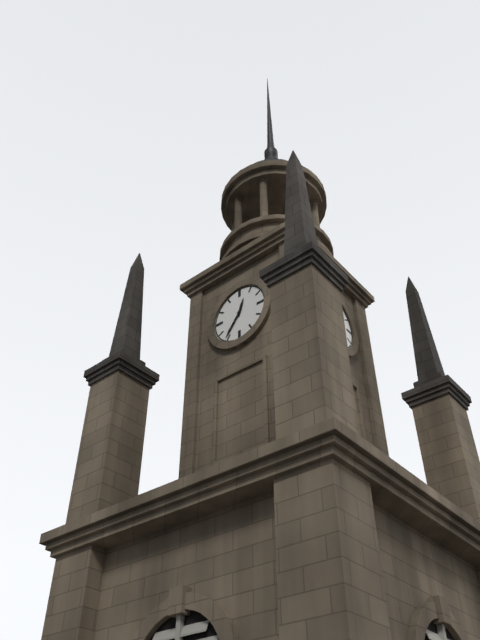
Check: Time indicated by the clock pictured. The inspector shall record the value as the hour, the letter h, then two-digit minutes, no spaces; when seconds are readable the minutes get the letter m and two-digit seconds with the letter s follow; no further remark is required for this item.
12h36
